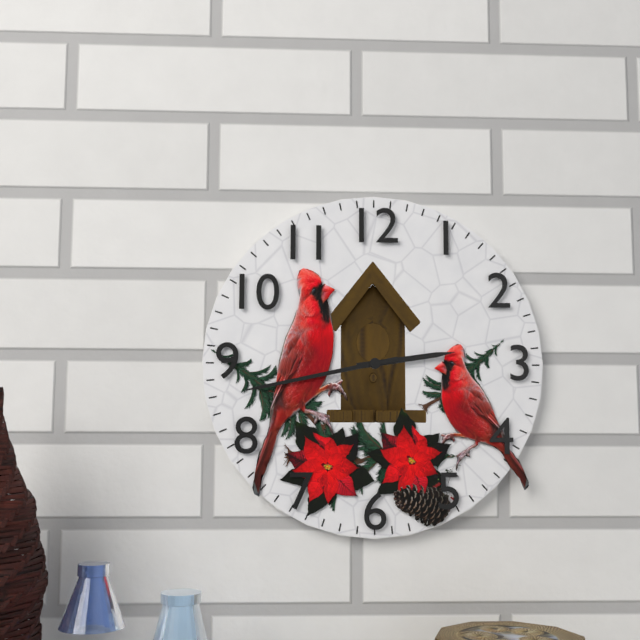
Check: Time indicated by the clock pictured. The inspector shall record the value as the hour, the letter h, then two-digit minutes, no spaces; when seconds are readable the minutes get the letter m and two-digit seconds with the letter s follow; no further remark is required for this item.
2h43
